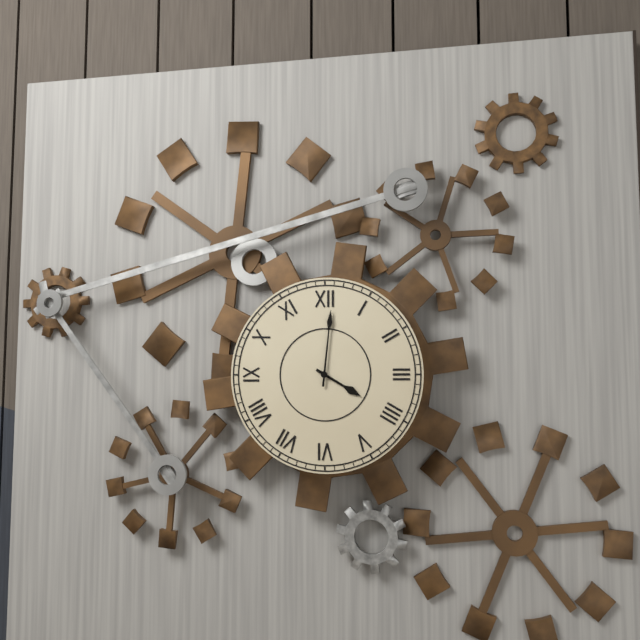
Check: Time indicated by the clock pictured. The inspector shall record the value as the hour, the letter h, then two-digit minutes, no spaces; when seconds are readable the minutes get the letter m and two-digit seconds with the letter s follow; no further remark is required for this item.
4h01
